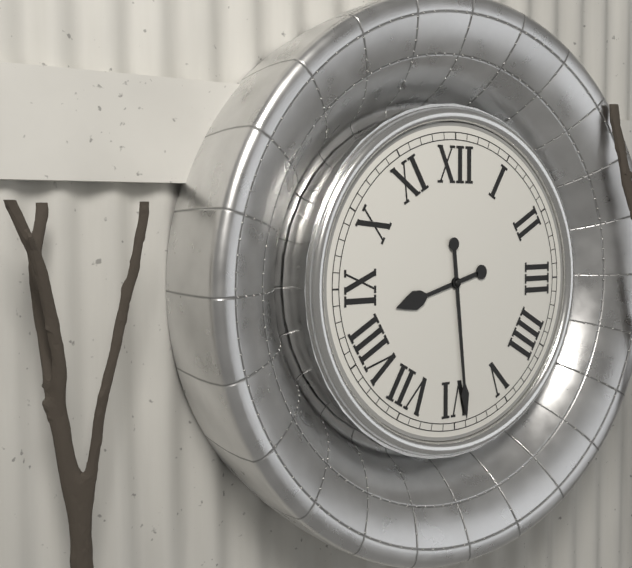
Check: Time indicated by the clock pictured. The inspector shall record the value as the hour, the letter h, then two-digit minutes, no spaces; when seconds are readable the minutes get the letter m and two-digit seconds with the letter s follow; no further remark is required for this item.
8h29
